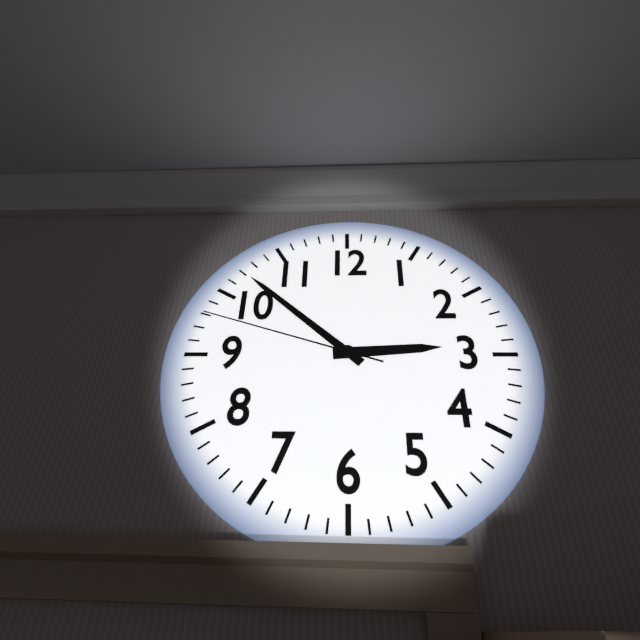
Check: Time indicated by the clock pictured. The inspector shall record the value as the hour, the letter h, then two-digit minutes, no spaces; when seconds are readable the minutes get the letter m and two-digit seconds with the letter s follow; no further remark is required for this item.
2h52m48s
